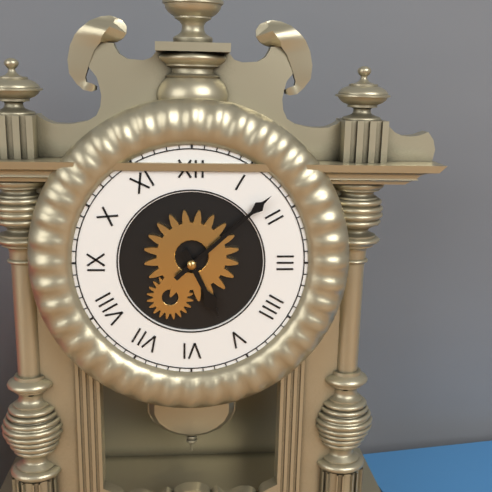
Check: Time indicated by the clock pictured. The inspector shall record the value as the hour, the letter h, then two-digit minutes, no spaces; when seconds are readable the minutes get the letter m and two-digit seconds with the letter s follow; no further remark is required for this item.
5h08
